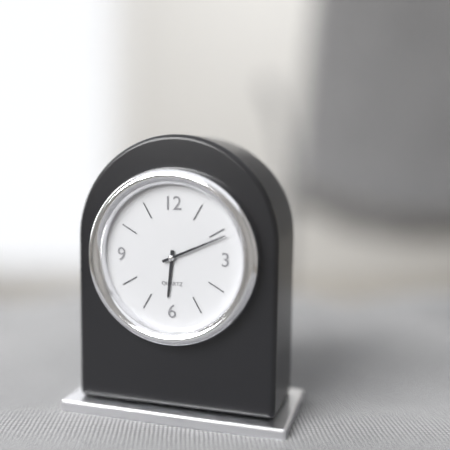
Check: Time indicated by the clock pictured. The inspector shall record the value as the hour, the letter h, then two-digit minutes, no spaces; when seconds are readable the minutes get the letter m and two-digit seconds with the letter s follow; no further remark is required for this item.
6h11
